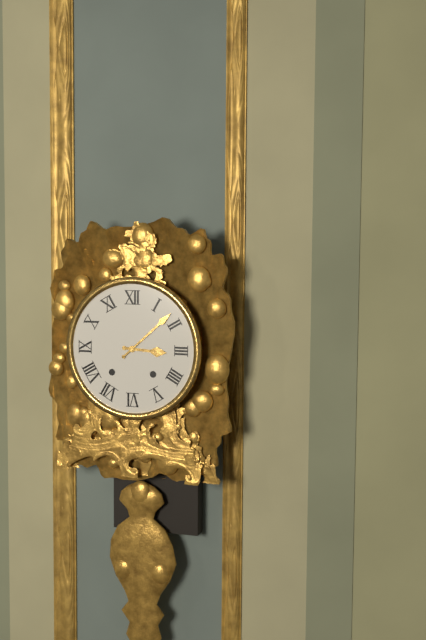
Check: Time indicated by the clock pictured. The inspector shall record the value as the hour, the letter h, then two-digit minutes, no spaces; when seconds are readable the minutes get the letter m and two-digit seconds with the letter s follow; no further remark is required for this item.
3h08
